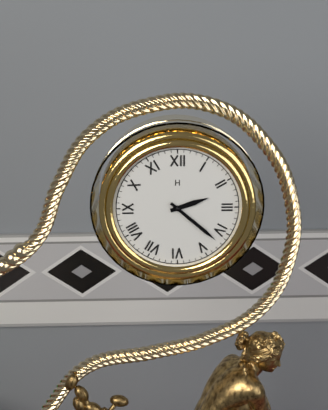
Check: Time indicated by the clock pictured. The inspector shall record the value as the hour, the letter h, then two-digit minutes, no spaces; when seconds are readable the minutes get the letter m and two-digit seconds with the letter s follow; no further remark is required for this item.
2h22
